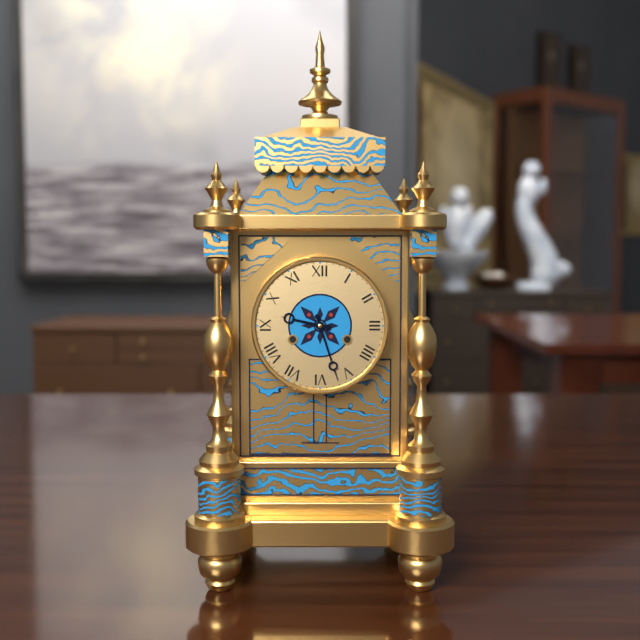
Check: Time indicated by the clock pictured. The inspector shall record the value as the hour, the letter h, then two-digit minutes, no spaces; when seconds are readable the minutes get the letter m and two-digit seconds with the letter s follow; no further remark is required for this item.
9h27
